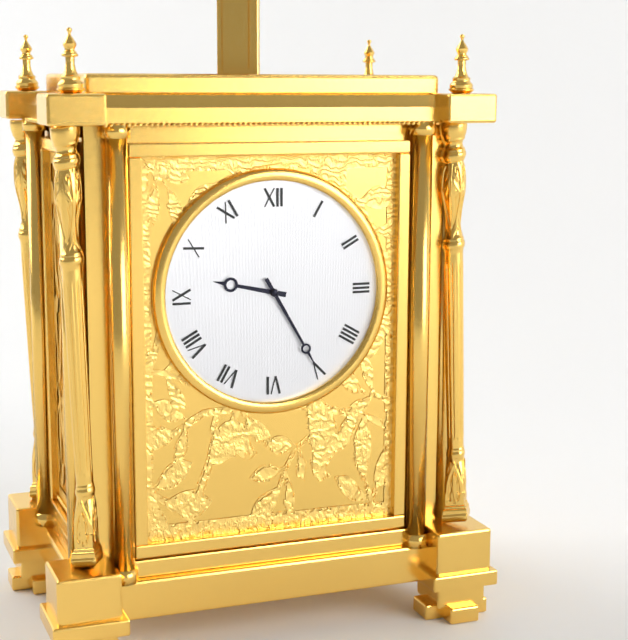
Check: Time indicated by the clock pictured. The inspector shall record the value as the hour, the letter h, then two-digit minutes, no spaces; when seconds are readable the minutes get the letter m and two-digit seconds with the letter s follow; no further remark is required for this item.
9h25
